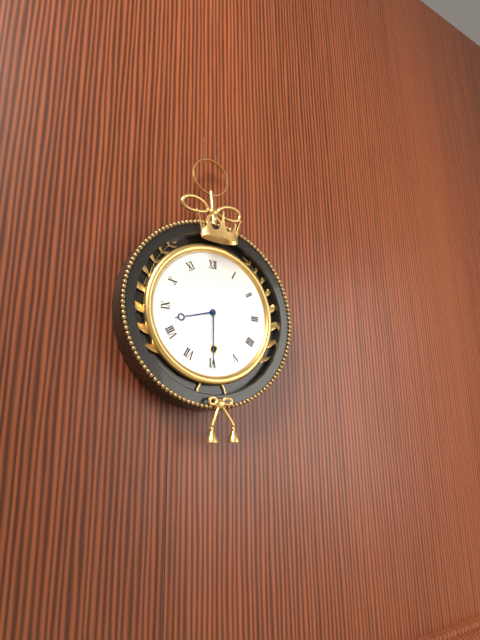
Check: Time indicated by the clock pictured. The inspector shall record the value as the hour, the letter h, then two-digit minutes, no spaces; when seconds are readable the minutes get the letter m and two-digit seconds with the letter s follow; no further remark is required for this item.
8h30
